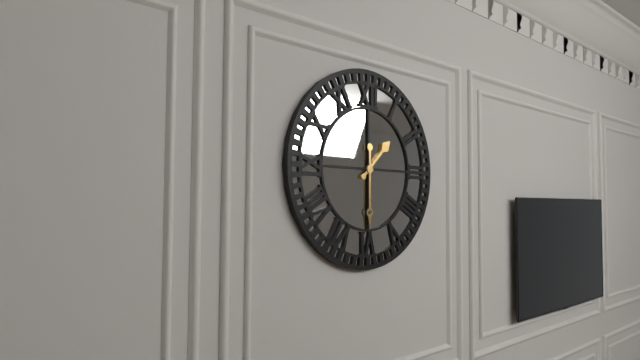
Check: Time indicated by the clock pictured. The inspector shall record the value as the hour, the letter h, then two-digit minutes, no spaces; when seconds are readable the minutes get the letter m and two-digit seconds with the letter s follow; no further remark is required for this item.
1h30
